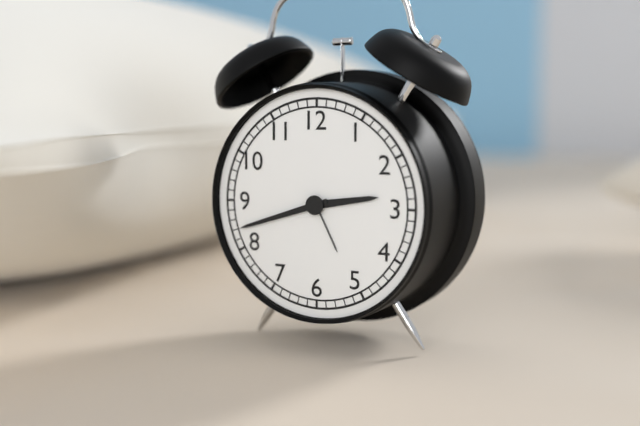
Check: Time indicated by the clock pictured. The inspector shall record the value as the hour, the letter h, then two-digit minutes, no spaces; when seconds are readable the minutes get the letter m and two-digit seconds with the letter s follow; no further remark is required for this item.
2h42
